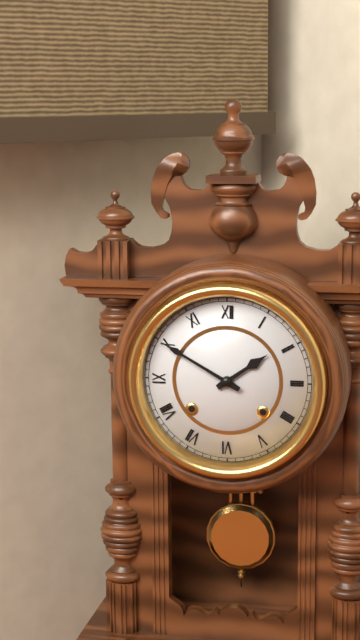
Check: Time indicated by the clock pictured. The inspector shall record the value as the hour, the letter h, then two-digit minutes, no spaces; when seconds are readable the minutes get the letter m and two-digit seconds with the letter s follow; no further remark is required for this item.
1h50
